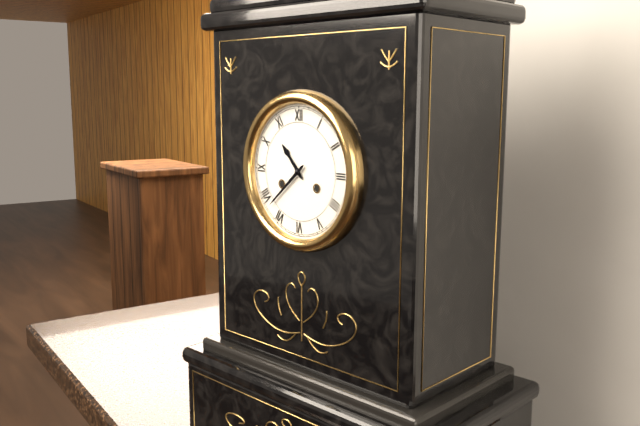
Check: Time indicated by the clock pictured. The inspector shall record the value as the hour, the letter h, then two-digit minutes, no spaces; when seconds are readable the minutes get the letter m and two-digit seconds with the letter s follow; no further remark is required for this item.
10h38
